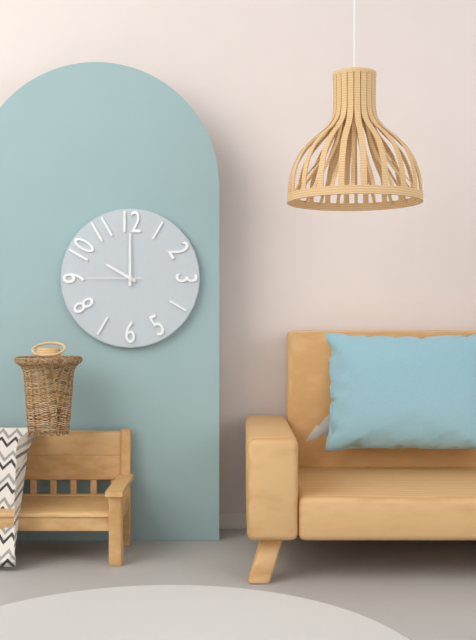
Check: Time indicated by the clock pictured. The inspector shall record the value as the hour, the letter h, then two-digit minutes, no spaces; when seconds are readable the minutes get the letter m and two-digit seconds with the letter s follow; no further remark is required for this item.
10h00m45s
